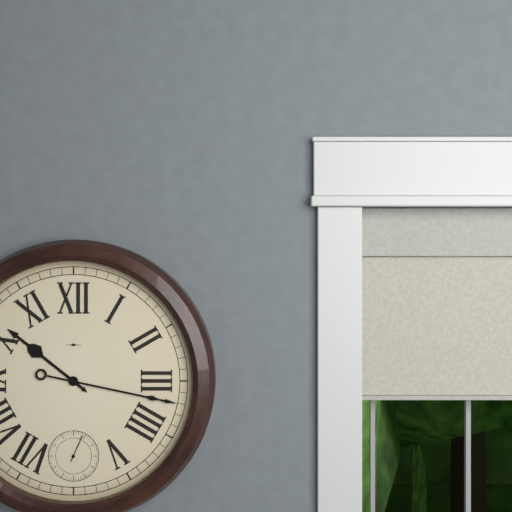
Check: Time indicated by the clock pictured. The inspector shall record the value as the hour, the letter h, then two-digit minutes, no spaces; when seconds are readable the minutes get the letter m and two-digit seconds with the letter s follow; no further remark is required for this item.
10h17
